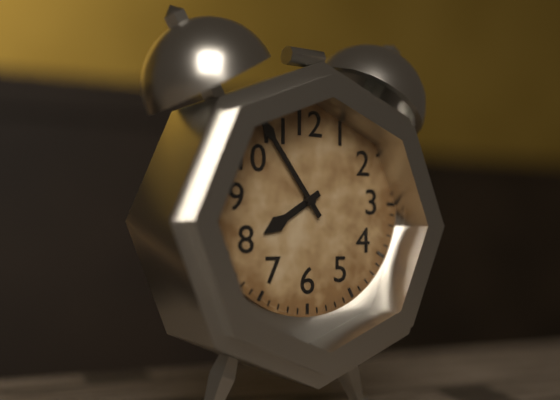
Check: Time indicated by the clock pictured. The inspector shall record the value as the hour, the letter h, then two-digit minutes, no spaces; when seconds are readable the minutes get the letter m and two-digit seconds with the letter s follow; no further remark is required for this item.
7h54
